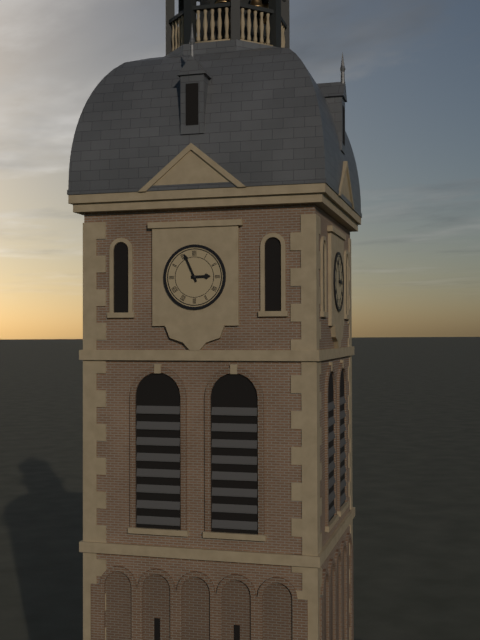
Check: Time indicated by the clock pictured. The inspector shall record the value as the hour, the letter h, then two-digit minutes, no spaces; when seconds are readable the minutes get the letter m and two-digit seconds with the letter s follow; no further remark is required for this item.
2h56
